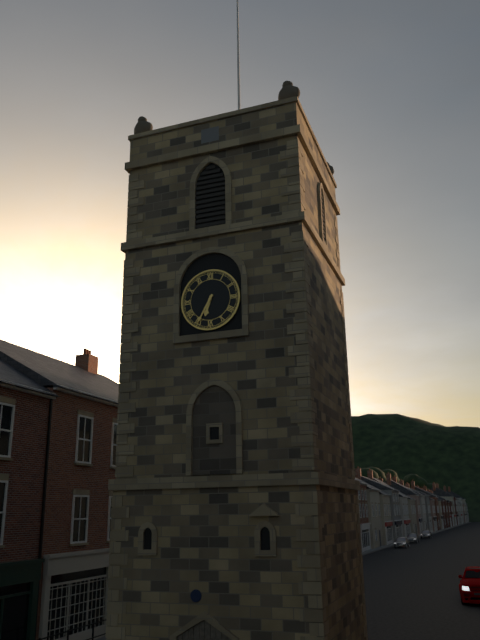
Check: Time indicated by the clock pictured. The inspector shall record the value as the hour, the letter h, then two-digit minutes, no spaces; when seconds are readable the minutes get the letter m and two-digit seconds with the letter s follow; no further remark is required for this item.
6h35
